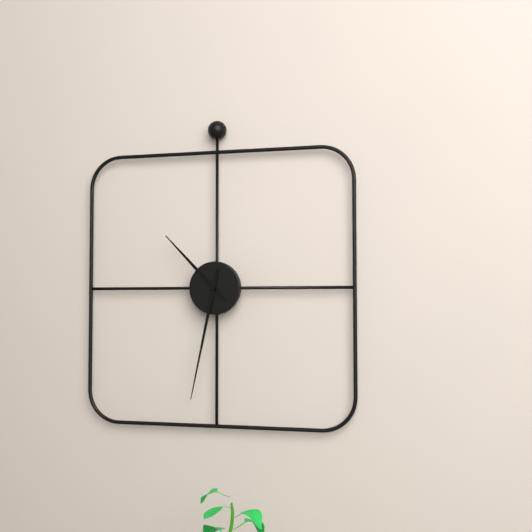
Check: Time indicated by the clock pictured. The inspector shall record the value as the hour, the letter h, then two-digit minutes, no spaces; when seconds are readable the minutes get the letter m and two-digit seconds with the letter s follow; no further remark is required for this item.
10h32
